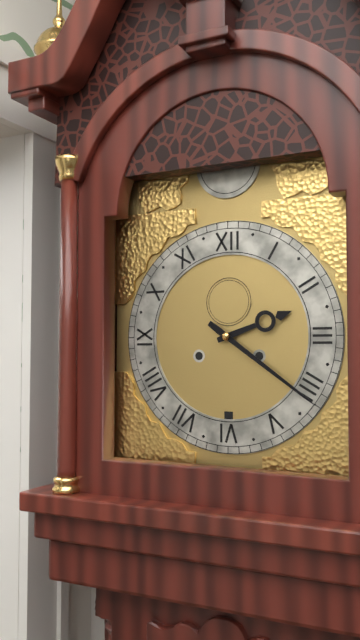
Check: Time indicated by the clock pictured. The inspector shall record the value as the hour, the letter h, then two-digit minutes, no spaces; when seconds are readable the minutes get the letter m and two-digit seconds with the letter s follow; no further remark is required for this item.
2h21
